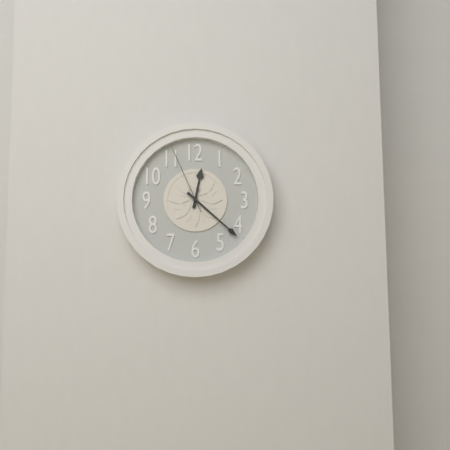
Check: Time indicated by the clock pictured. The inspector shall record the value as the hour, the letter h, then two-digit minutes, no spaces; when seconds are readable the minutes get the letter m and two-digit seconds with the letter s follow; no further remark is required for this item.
12h22m56s
